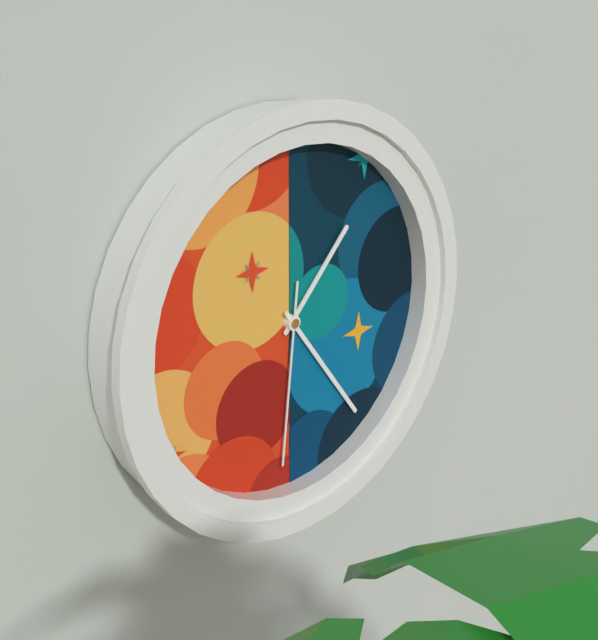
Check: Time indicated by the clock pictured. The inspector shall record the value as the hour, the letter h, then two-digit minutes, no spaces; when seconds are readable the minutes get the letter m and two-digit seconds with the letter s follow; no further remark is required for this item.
1h24m31s
